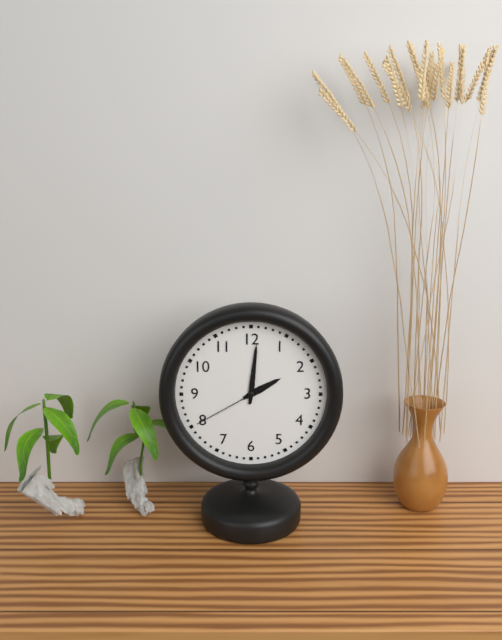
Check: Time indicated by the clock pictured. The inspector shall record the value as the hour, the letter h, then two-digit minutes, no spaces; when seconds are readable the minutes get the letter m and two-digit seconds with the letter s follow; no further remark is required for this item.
2h01m40s
